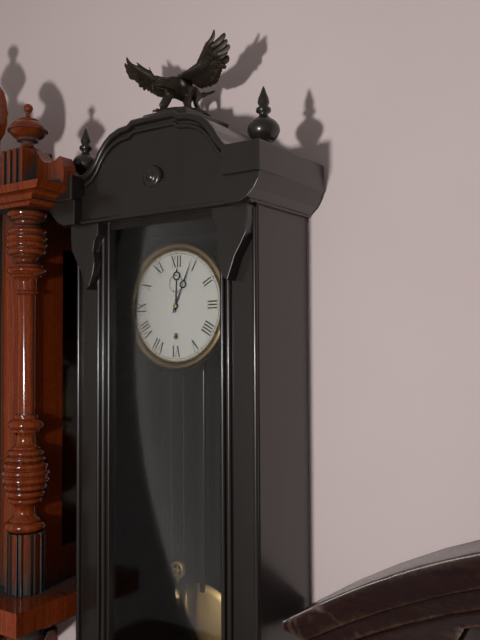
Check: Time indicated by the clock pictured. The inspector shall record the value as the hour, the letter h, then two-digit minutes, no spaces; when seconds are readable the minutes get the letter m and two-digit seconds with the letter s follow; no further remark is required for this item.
12h04
